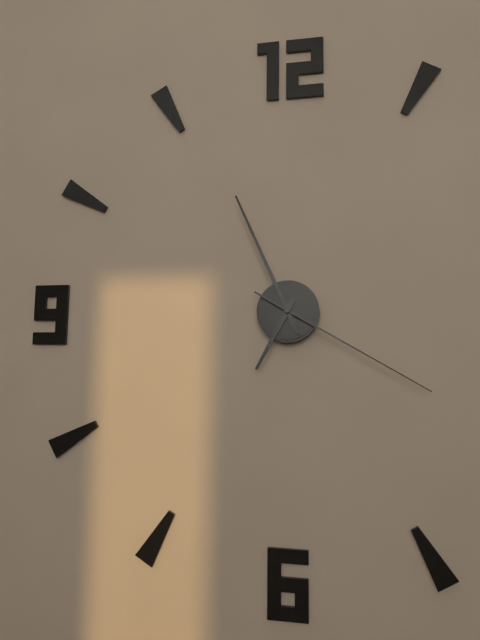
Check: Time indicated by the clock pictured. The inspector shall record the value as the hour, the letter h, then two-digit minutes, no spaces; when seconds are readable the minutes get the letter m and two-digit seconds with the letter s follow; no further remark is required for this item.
6h56m20s
